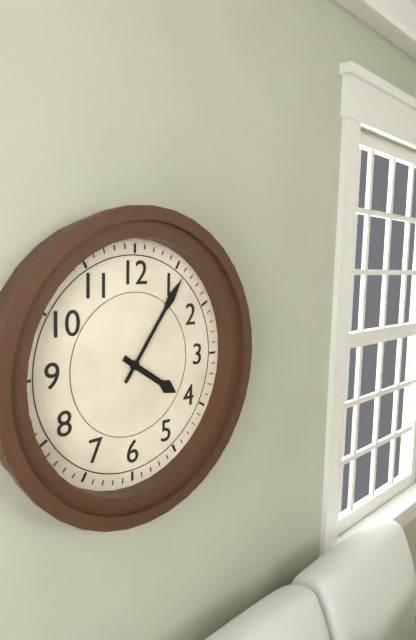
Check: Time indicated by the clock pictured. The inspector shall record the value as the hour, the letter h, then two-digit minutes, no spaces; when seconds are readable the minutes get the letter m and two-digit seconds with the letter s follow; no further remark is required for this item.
4h06
